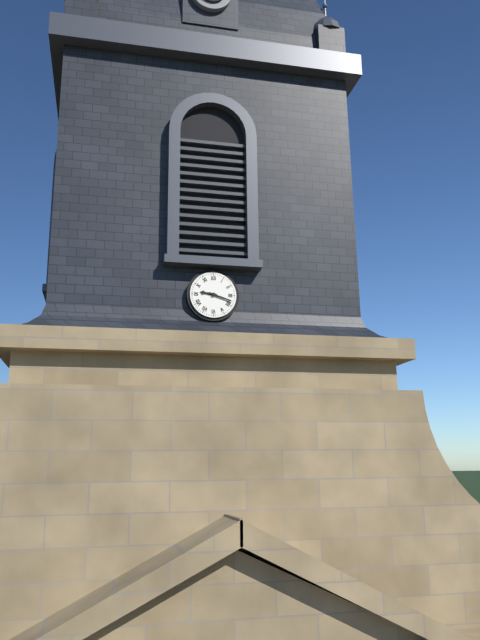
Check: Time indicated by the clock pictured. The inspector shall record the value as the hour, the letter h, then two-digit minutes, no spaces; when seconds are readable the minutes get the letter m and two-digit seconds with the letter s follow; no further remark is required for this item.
9h18
